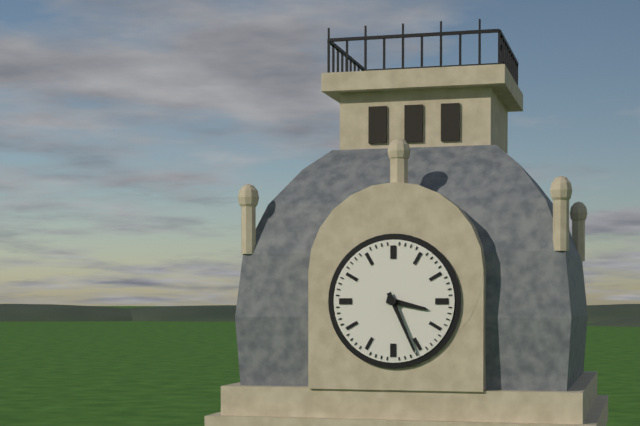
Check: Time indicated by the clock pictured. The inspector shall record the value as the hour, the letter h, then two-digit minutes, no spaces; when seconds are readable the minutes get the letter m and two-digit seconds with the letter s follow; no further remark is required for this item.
3h26
